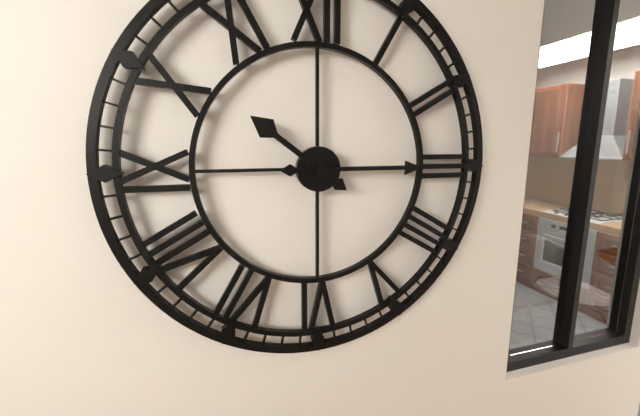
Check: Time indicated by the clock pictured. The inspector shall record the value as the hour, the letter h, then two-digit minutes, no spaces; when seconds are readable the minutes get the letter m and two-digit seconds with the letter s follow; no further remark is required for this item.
10h15
